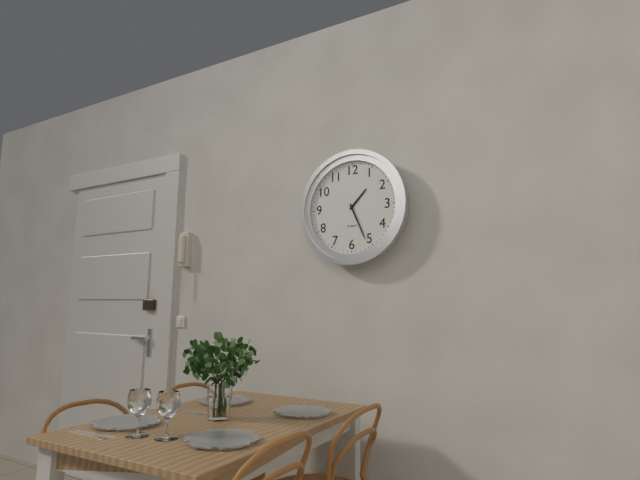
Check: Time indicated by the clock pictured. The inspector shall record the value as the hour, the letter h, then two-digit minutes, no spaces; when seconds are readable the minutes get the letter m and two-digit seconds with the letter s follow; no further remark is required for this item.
1h26
